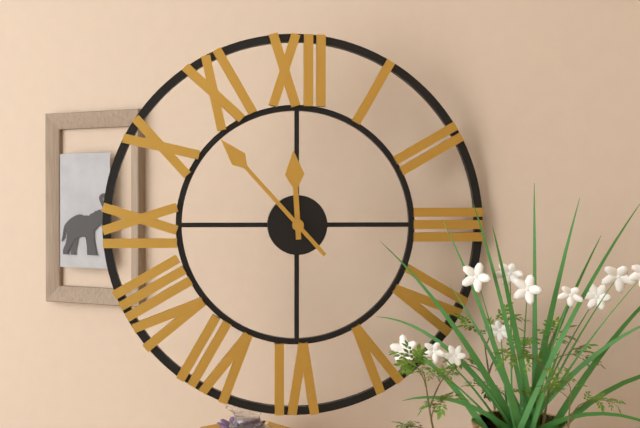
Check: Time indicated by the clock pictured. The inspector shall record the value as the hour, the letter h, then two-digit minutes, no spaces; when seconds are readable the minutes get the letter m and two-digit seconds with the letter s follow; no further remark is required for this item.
11h53
